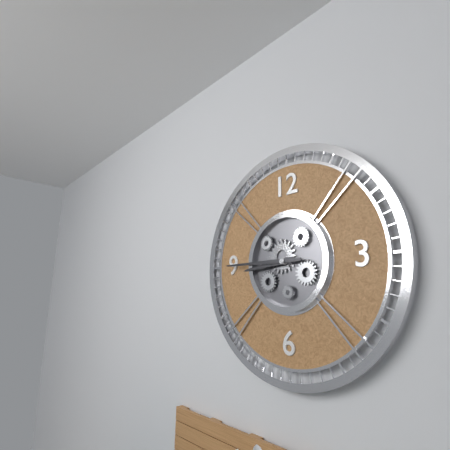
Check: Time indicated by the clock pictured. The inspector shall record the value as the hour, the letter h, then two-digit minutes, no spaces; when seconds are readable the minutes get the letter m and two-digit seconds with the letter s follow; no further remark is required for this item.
8h45
